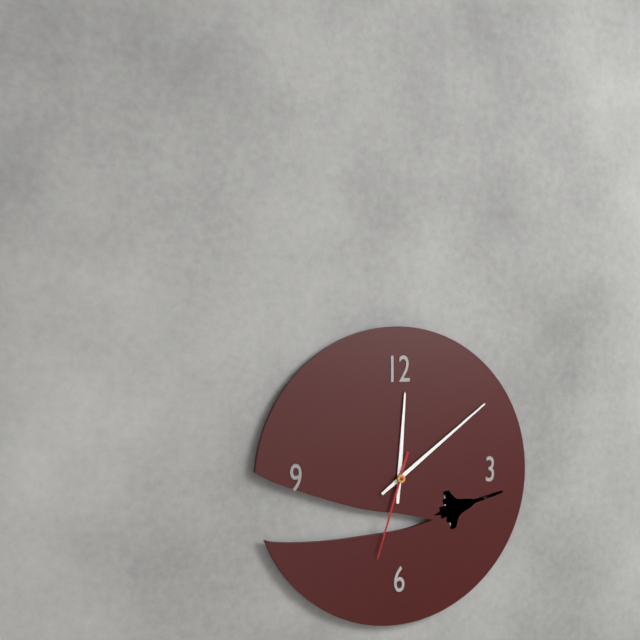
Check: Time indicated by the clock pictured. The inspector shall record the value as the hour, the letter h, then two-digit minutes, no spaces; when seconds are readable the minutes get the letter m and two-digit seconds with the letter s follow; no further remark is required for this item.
12h09m33s
